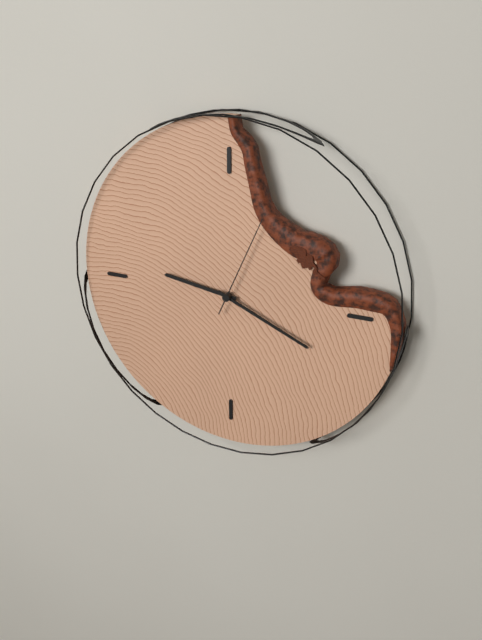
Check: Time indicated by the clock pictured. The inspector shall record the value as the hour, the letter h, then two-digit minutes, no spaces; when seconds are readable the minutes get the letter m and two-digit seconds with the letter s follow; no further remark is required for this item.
9h19m04s
